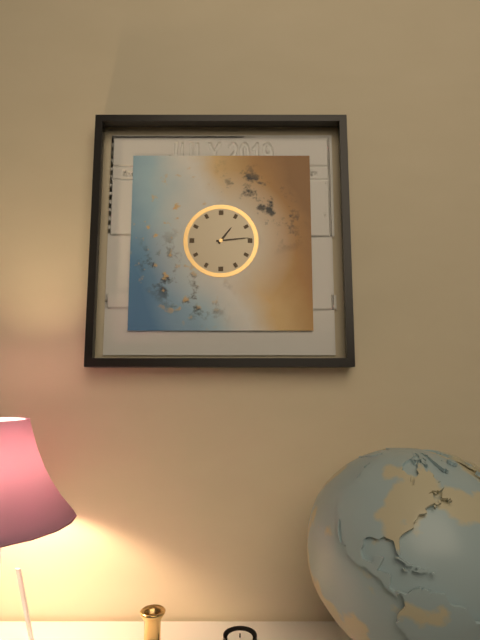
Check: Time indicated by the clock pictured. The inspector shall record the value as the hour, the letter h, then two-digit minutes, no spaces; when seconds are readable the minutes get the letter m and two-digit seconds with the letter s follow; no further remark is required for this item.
1h14
